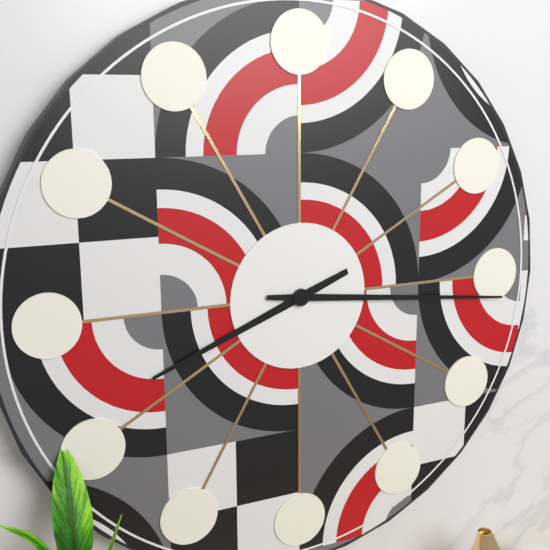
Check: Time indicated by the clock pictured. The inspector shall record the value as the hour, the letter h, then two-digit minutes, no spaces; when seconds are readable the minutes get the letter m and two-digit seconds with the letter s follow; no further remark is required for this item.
8h16
